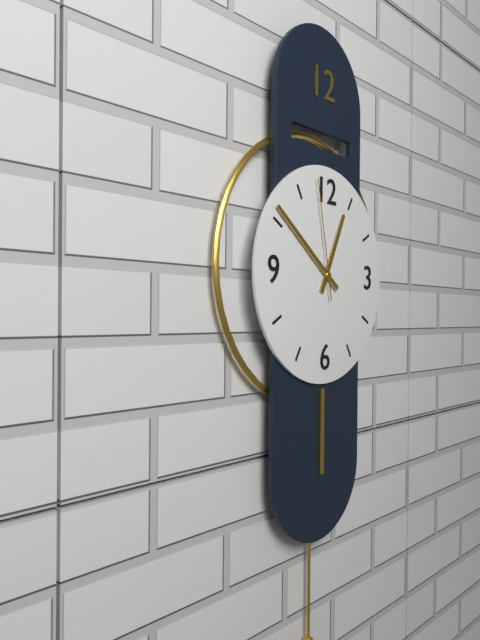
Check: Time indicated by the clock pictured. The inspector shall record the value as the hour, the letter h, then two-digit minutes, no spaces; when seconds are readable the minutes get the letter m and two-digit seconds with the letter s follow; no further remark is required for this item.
12h51m58s
